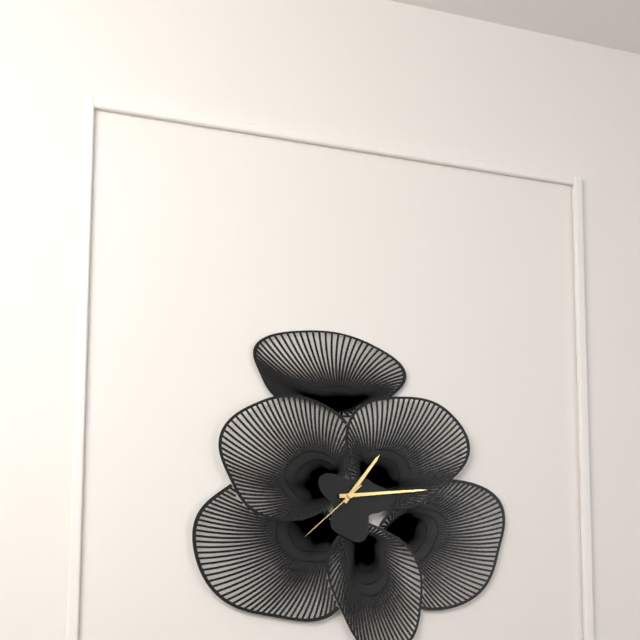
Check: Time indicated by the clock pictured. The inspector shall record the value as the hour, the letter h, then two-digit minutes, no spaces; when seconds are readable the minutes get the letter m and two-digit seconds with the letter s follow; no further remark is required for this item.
1h14m38s
